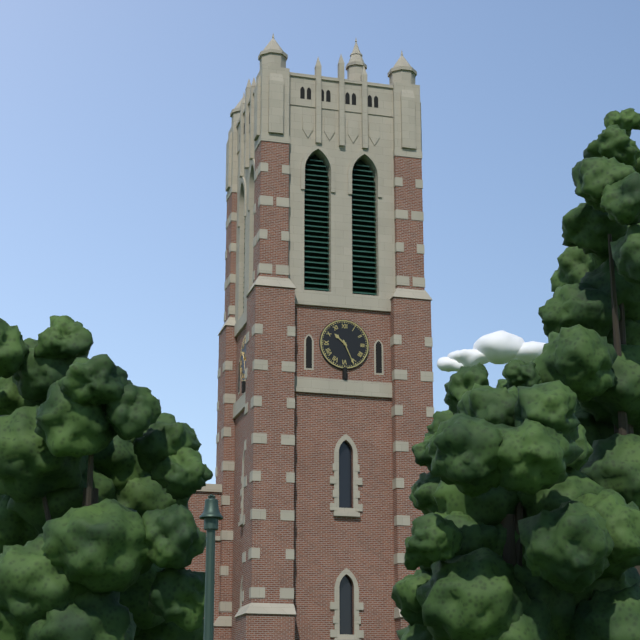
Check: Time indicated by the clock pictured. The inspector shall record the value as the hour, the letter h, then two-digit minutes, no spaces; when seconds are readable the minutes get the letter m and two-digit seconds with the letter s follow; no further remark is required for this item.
10h26
